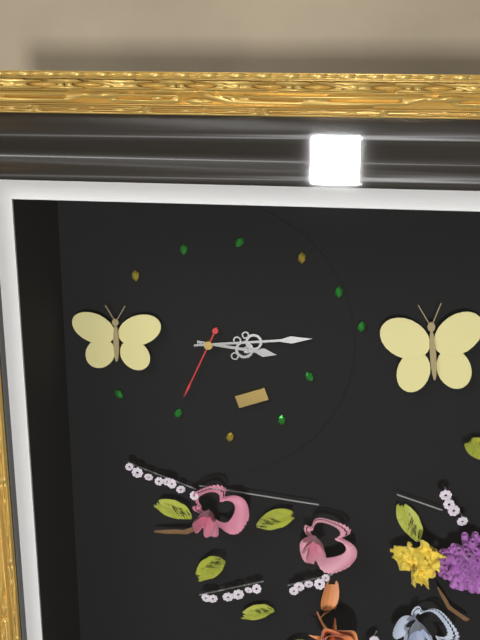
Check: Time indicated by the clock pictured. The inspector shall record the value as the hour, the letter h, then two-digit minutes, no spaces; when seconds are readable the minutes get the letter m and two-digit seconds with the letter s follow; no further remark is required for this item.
3h14m34s
